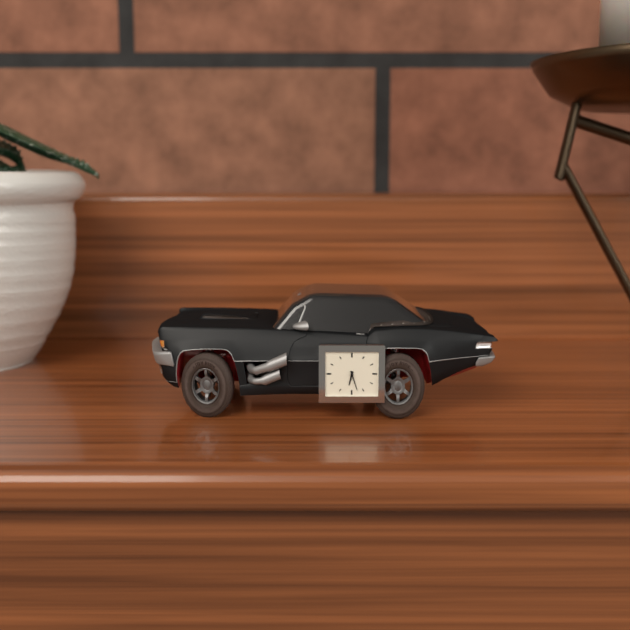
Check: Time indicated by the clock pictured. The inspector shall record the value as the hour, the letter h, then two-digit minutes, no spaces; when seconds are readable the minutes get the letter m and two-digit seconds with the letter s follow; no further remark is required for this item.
6h27
